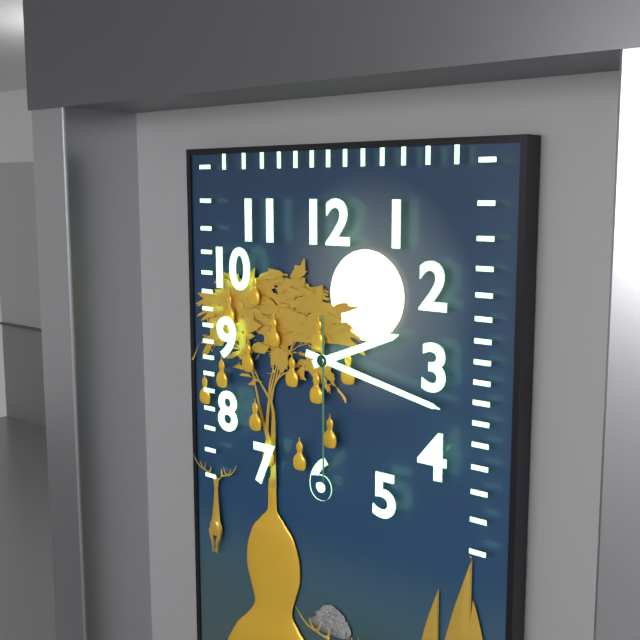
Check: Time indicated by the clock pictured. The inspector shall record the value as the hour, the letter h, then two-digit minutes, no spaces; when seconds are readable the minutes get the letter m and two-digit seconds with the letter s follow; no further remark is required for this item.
2h17m30s
